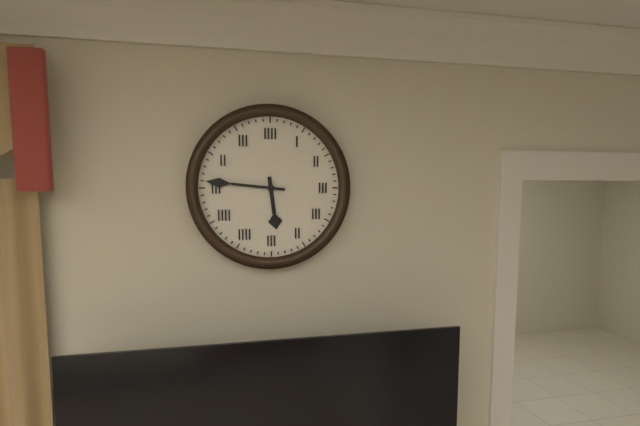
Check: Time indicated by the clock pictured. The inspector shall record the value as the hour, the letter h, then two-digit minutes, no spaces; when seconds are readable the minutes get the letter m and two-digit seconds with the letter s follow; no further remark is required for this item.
5h46
